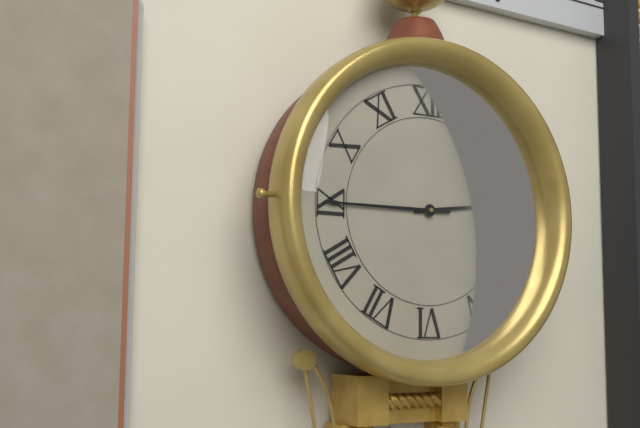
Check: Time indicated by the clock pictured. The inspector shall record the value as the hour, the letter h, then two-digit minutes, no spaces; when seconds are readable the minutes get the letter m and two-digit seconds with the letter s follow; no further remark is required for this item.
2h45
